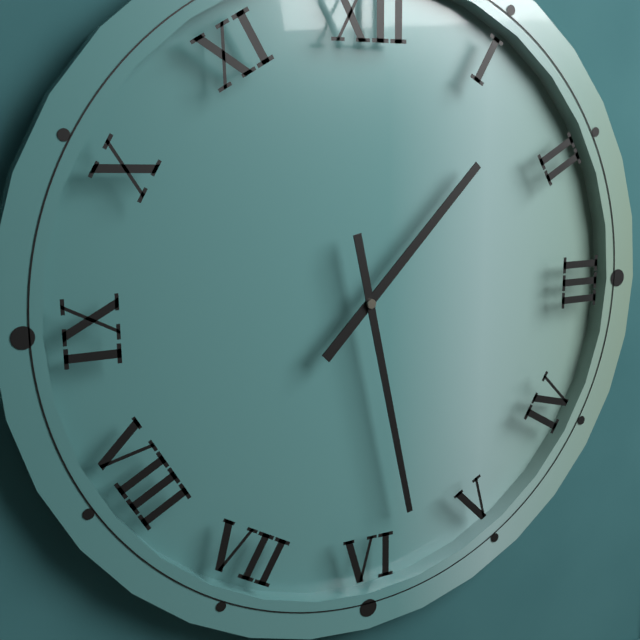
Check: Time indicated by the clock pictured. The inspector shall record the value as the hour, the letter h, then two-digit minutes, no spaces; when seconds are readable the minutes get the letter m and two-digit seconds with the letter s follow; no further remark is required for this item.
1h28
